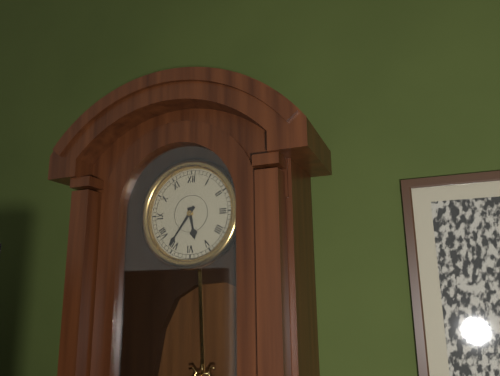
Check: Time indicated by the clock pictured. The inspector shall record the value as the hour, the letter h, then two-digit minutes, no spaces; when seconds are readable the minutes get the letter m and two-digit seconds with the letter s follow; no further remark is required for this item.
5h36
